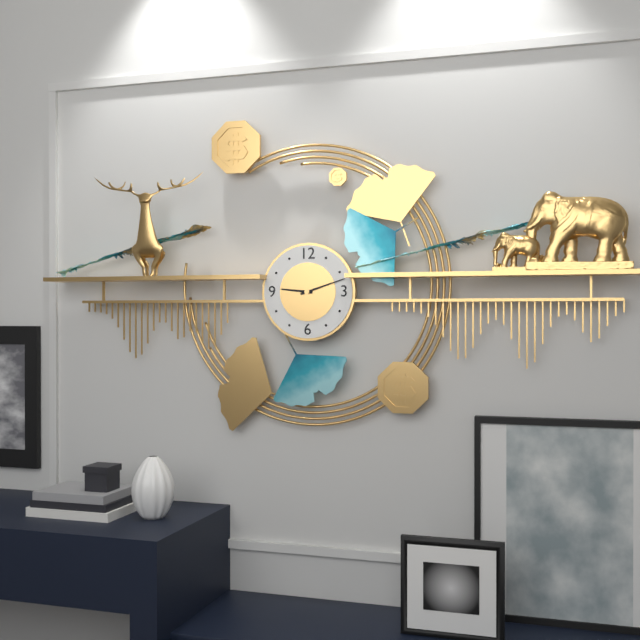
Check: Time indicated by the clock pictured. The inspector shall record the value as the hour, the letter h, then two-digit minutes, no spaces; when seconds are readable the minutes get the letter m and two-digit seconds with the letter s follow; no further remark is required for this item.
9h12
